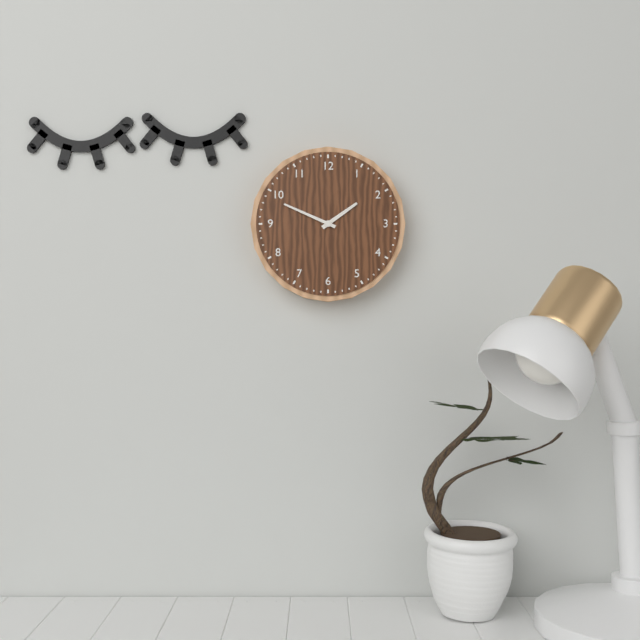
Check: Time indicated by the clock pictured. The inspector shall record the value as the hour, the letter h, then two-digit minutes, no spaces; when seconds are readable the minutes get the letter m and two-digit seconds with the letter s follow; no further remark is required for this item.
1h49
